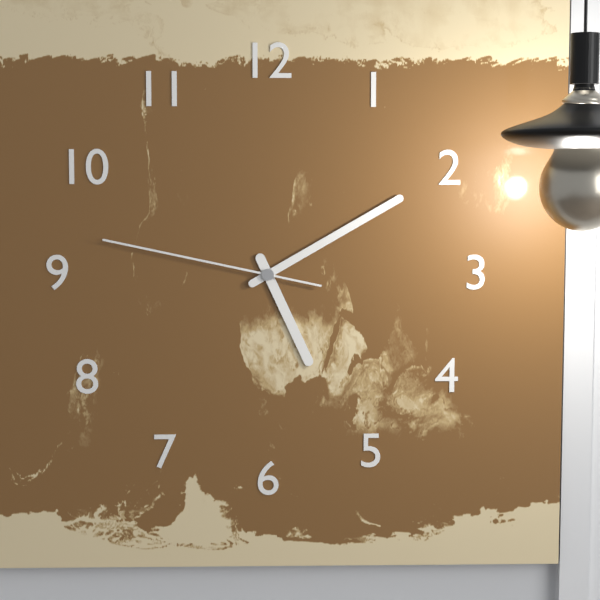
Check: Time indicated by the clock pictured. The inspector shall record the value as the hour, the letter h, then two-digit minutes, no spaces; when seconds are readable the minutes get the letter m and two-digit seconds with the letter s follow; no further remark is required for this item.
5h10m47s
